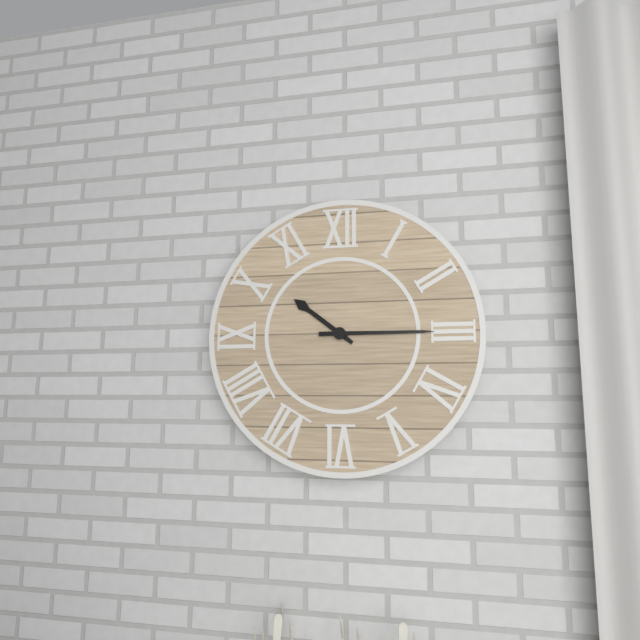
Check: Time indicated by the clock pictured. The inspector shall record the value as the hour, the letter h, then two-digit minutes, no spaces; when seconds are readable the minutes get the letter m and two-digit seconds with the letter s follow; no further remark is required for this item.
10h15
